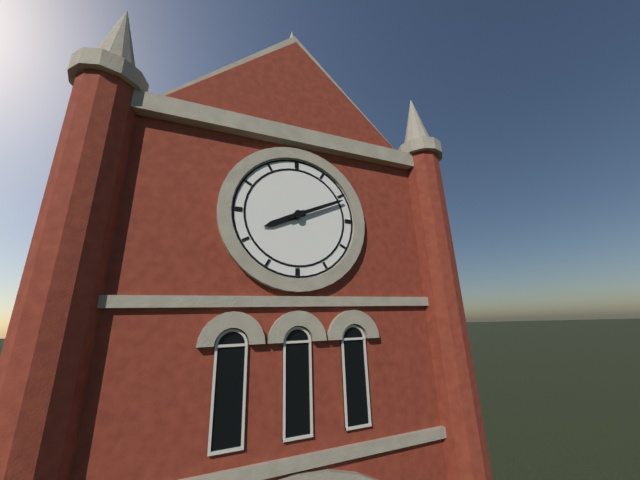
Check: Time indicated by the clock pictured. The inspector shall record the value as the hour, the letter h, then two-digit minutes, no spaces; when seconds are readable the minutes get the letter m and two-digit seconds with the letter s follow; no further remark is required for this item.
8h11
